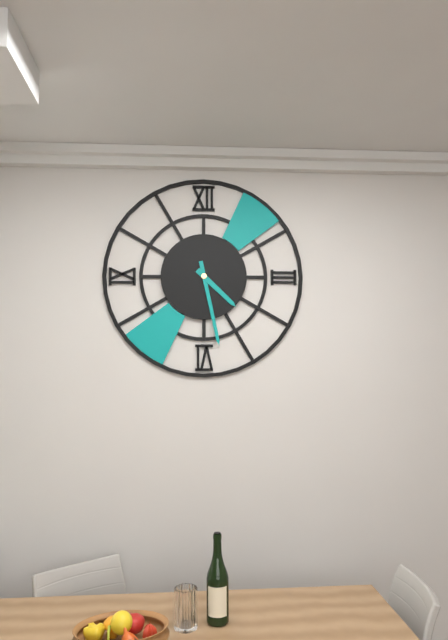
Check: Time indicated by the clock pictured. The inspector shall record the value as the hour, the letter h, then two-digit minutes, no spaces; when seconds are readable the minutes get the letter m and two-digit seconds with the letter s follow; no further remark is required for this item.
4h28
